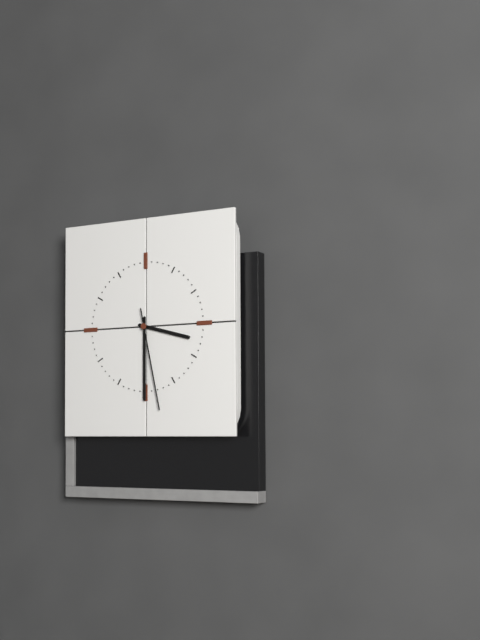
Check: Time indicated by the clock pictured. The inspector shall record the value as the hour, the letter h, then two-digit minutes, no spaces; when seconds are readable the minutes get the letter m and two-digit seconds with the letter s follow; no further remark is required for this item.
3h30m28s
